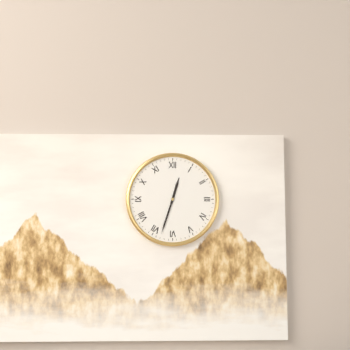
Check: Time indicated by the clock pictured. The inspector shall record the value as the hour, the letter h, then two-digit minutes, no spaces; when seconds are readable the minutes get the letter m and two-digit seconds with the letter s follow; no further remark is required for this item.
12h33
